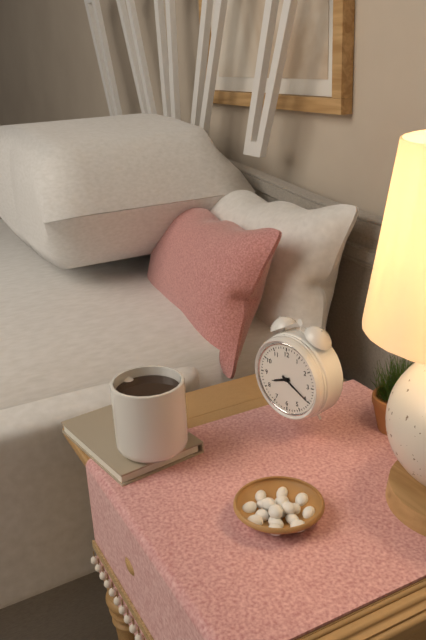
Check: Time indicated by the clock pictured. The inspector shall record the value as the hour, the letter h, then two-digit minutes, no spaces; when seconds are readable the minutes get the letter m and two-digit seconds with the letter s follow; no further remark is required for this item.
8h20
